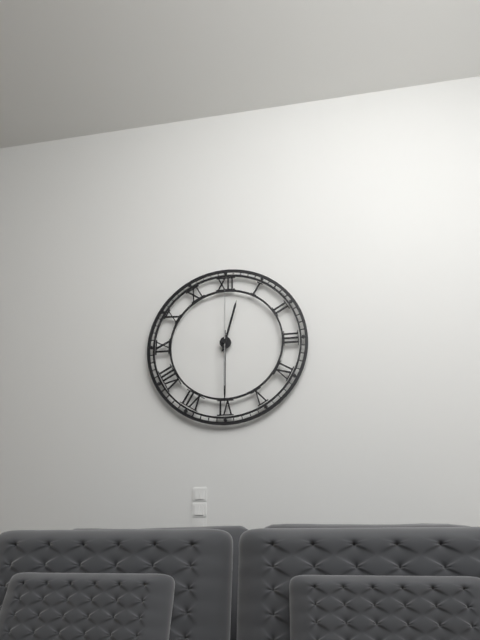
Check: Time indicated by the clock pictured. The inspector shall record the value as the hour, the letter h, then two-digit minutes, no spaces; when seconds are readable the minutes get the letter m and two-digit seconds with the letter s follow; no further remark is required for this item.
12h30m00s
